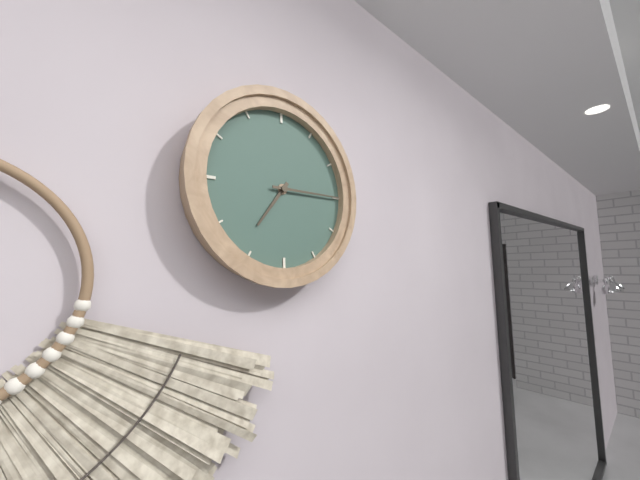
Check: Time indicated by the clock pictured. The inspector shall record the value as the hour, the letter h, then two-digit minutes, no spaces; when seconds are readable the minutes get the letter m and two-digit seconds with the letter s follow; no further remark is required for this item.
7h15
